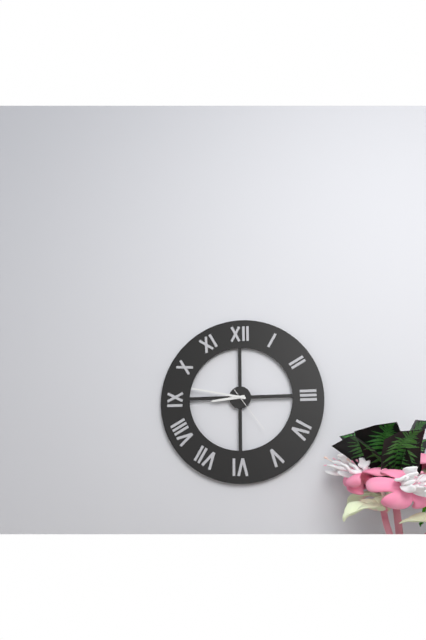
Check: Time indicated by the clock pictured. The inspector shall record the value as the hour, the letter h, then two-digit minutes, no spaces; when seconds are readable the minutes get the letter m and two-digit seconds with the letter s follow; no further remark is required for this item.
8h47m24s
